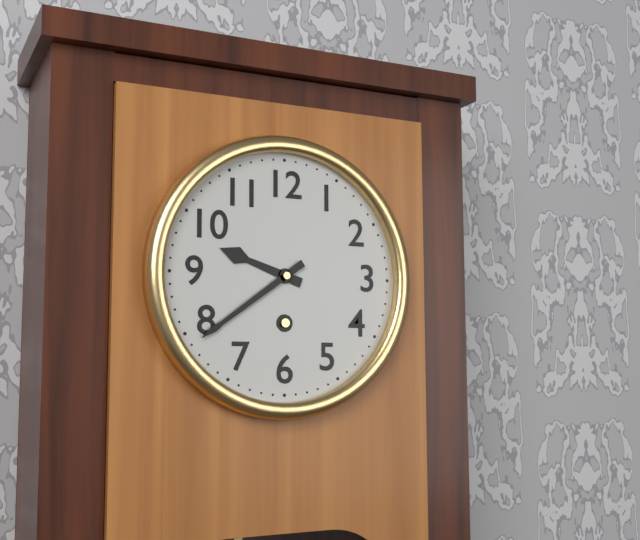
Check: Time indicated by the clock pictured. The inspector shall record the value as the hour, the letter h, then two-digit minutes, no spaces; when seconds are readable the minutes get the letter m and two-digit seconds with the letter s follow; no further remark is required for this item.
9h39
